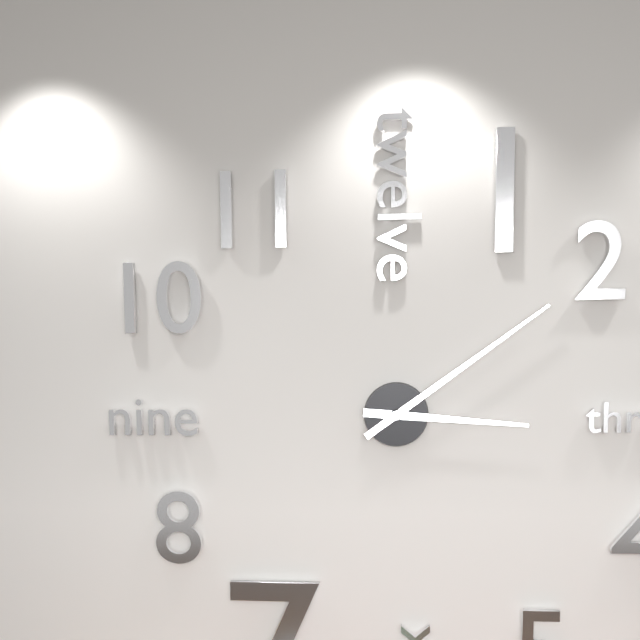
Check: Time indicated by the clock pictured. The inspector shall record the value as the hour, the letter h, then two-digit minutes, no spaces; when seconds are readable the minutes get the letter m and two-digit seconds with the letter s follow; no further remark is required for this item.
3h09
